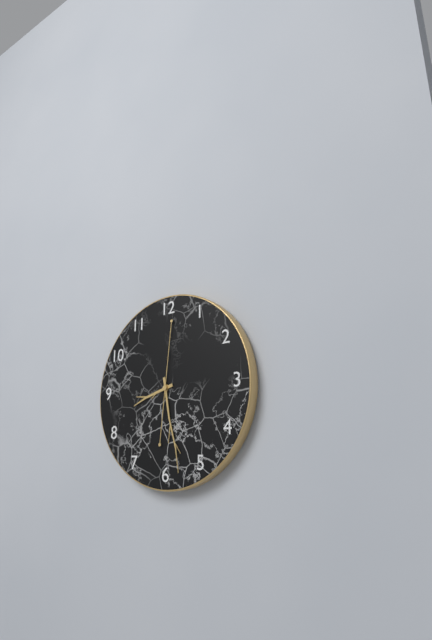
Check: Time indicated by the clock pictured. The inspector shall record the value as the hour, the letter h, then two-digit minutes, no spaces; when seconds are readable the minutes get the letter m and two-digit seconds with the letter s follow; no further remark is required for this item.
8h28m01s
